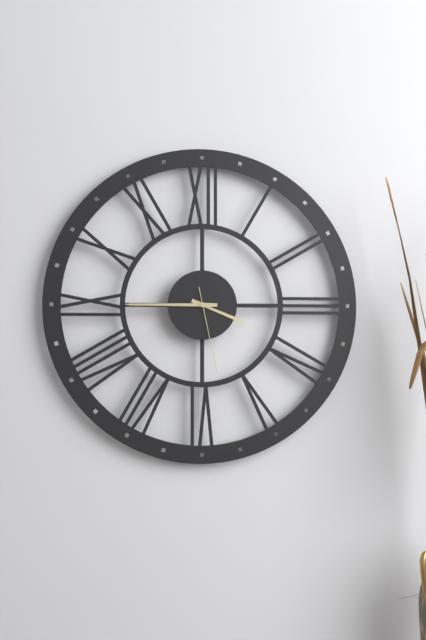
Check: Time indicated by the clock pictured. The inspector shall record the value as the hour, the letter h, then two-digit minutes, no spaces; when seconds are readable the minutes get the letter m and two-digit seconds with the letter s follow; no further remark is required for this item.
3h45m28s
